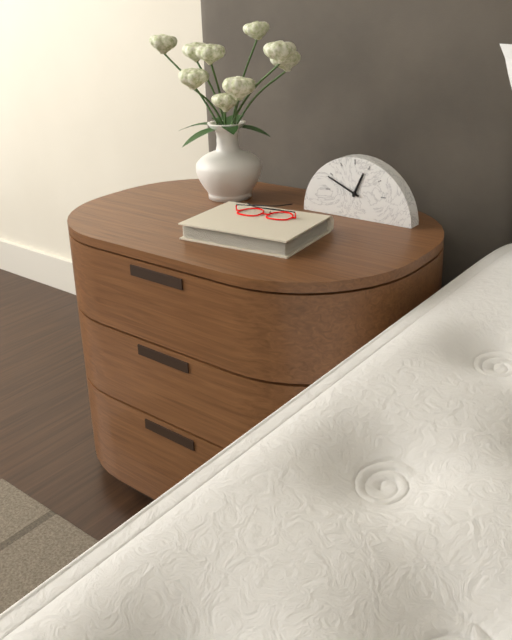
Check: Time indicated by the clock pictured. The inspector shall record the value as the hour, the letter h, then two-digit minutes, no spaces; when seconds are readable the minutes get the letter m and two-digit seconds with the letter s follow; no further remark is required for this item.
12h49
